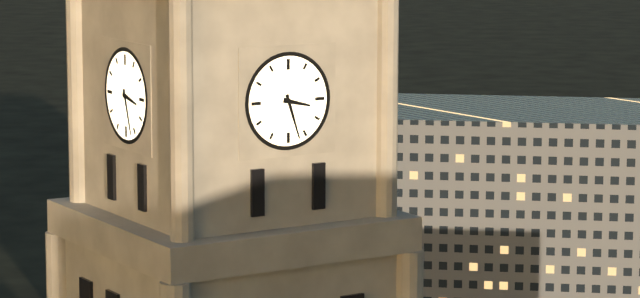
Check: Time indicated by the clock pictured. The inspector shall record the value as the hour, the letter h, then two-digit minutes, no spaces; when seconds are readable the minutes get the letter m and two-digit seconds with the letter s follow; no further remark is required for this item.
3h27
